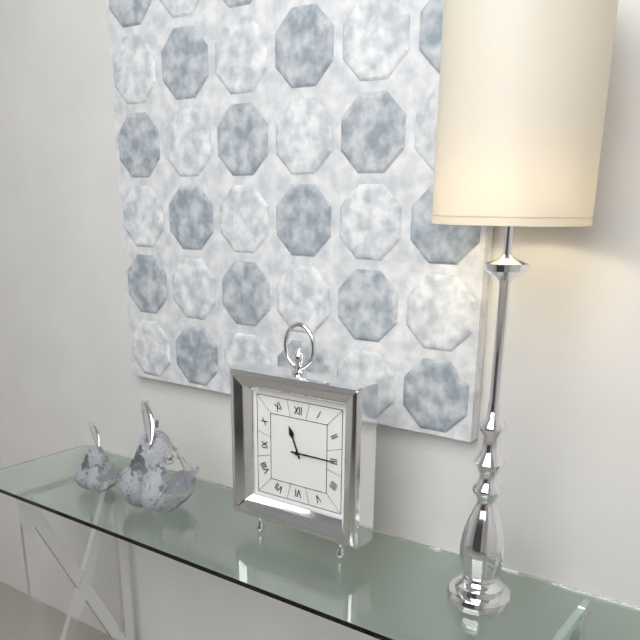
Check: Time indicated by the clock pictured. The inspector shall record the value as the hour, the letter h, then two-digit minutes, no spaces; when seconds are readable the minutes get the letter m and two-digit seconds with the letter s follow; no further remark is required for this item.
11h15
